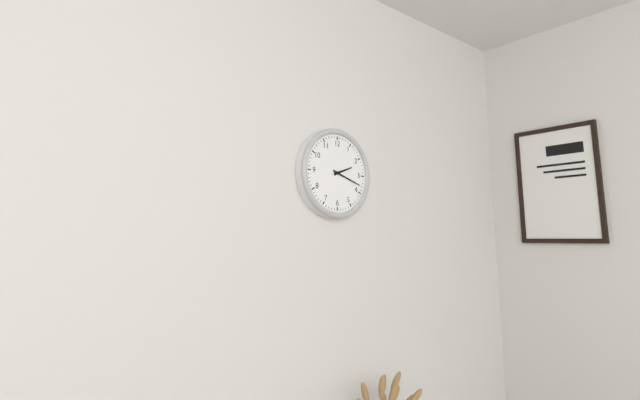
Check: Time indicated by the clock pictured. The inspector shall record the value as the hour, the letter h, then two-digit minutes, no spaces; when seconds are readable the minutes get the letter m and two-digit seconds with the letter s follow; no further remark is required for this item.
2h18
